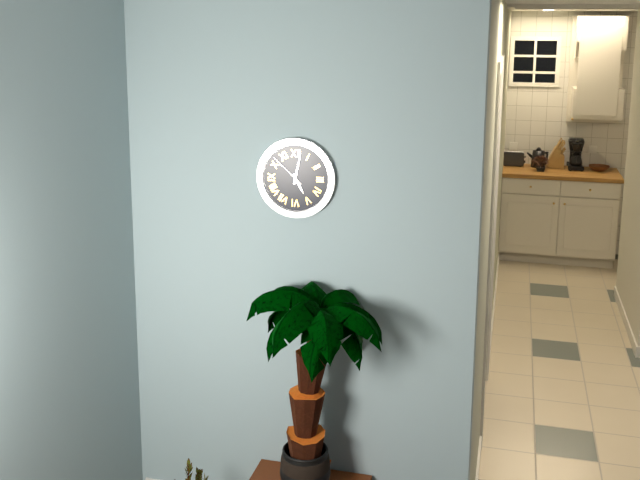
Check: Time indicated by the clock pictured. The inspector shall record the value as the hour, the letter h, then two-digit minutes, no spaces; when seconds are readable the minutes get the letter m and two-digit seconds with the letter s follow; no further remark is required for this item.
5h02
